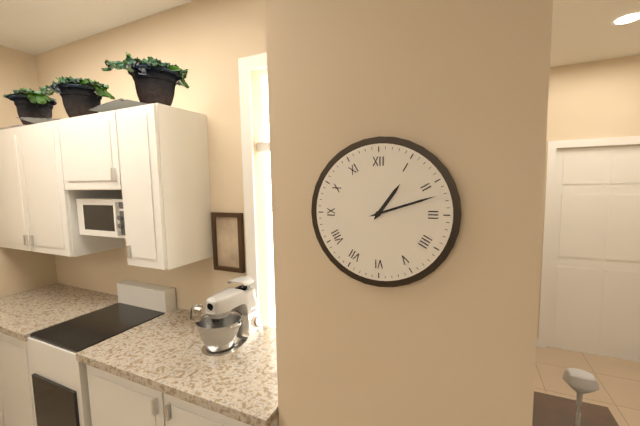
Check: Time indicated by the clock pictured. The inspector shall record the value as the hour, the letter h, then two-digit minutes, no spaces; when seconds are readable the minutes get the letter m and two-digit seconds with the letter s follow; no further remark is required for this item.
1h12
